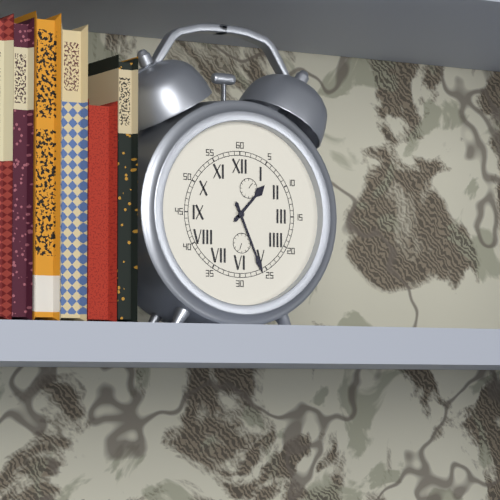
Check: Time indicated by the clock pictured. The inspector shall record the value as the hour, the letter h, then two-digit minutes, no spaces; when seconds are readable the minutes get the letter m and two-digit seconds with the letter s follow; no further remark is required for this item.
1h26
